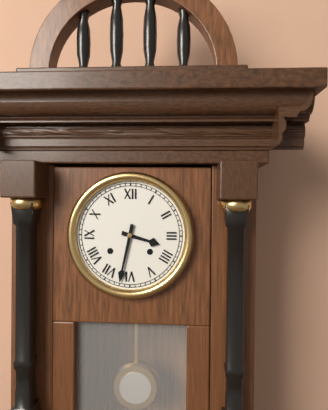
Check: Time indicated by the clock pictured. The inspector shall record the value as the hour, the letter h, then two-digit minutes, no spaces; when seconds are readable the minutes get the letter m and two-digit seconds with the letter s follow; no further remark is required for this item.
3h32
